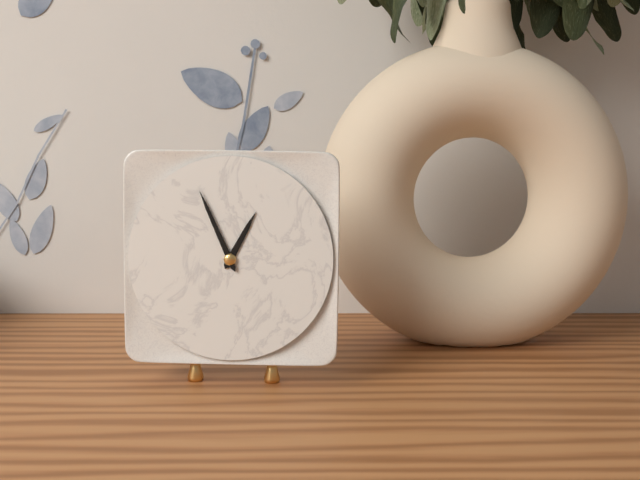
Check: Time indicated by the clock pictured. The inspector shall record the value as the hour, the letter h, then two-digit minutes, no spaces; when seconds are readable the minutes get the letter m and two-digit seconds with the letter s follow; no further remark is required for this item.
12h56
